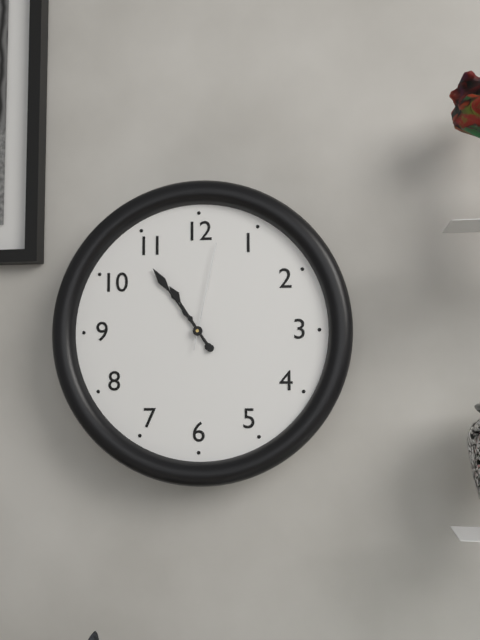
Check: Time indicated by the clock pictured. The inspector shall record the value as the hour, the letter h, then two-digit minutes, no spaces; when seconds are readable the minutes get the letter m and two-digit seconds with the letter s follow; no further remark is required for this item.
10h54m02s
